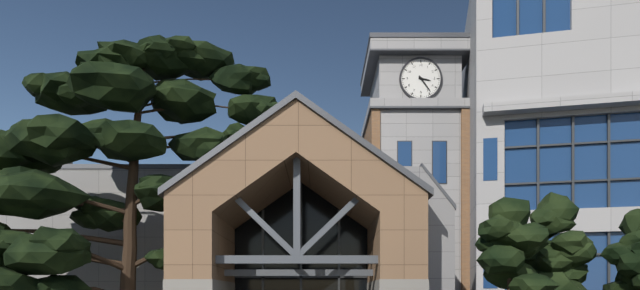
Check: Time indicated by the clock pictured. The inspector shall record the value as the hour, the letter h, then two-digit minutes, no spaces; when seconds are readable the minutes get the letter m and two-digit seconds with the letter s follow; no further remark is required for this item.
3h24
